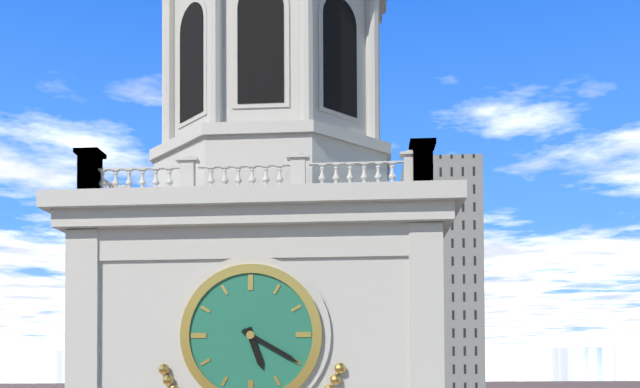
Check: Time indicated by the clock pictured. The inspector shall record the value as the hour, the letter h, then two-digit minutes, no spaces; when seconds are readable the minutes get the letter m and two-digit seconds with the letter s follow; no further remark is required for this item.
5h20
